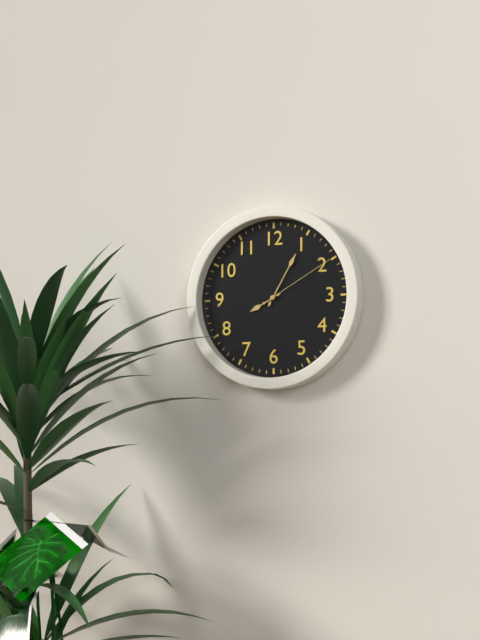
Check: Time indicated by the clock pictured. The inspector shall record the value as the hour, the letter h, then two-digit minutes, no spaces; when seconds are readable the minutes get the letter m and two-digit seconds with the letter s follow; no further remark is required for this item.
8h05m10s
